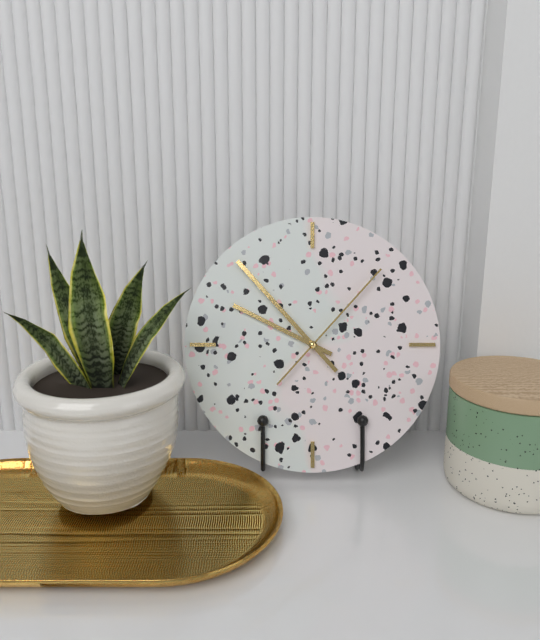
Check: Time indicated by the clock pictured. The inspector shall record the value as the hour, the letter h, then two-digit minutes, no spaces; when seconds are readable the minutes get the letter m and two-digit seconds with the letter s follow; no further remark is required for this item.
9h53m07s
